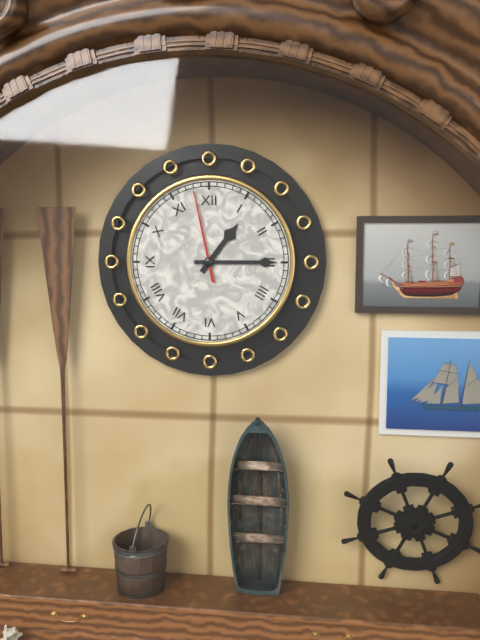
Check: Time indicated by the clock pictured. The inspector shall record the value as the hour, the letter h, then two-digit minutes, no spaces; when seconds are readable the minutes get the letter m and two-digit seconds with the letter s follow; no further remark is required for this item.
1h15m58s
